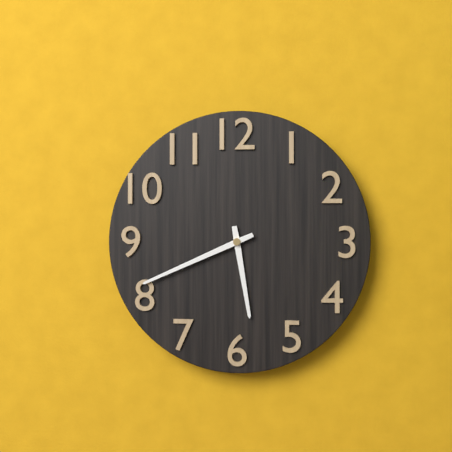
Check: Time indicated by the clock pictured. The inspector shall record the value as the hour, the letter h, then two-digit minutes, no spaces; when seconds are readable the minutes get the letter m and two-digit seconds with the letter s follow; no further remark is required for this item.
5h41
